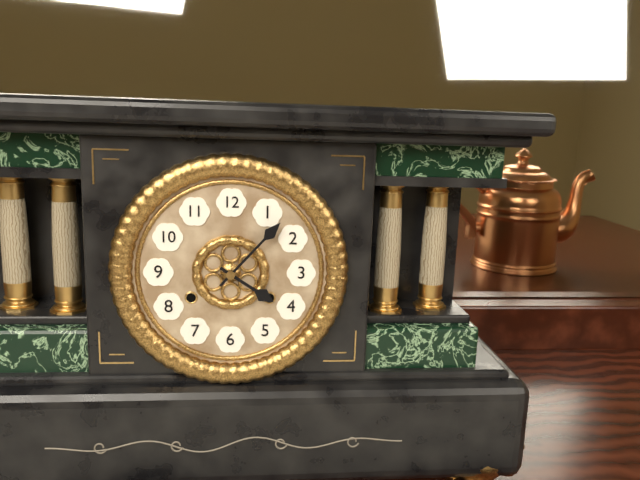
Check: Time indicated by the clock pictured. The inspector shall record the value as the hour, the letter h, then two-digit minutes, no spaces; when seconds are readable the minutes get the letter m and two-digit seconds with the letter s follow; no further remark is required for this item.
4h07
